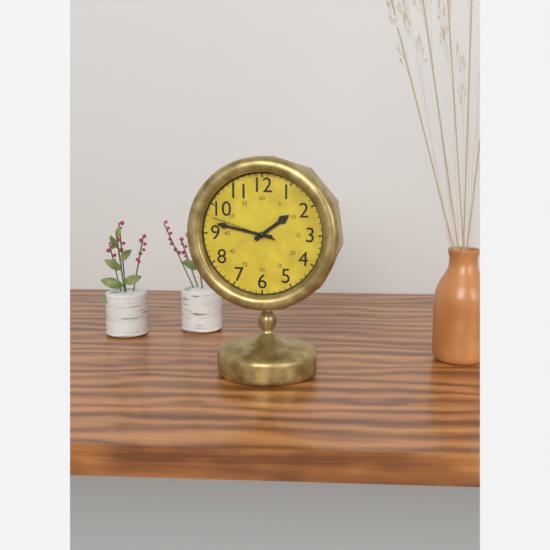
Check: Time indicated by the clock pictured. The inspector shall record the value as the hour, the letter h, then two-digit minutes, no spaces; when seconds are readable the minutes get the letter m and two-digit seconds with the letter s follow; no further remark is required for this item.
1h47m48s
